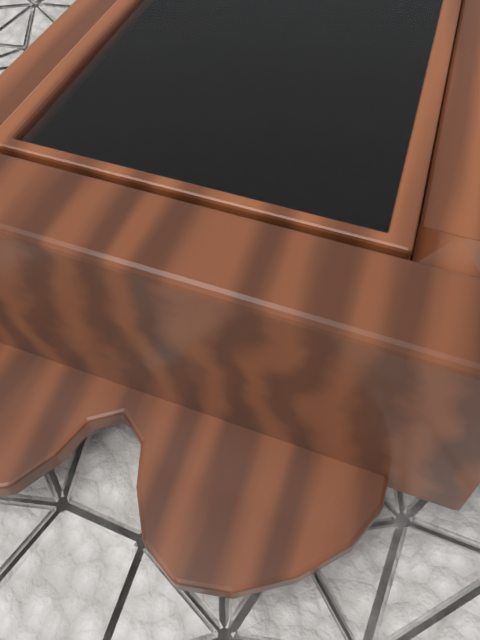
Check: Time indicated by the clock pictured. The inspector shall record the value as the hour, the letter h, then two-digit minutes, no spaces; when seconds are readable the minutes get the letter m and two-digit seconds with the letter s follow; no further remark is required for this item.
3h29
